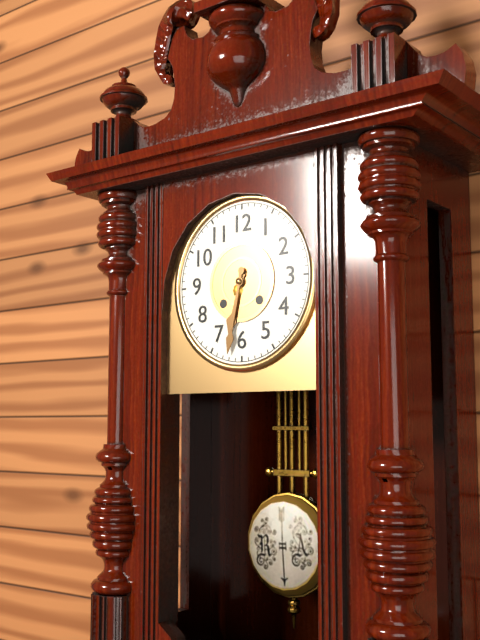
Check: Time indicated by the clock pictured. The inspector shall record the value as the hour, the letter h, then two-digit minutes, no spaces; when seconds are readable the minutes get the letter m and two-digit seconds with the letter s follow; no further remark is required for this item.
6h32
